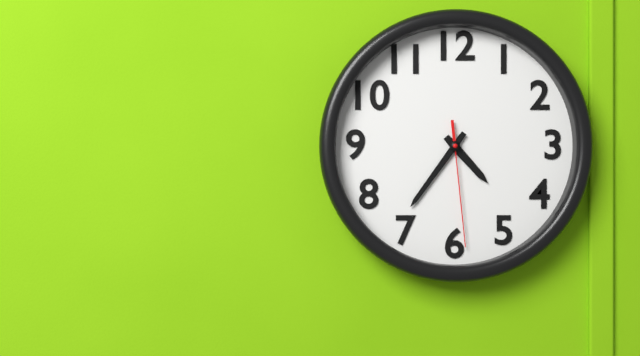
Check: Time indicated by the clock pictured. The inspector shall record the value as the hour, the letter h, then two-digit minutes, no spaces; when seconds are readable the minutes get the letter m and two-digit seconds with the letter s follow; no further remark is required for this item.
4h36m29s
